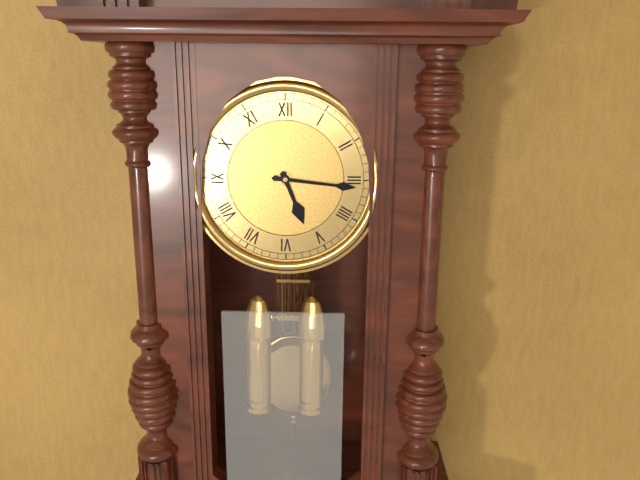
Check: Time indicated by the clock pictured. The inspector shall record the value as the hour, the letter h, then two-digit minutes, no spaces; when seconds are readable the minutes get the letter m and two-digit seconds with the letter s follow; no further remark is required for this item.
5h16
